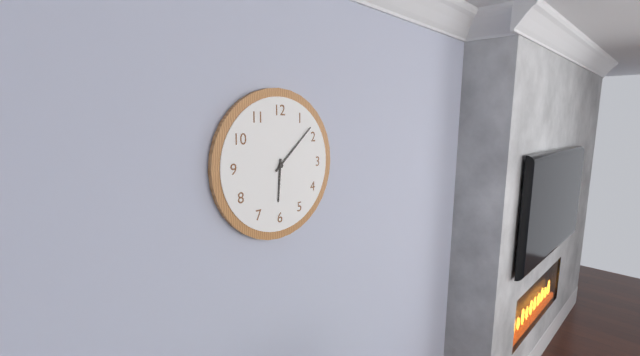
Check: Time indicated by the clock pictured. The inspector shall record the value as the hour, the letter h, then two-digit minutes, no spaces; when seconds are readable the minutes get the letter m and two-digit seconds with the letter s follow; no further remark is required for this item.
6h08
